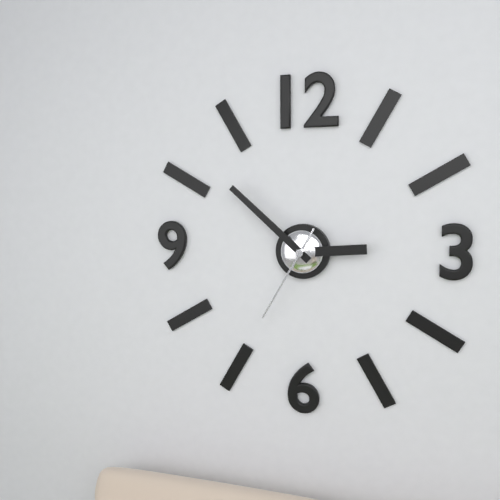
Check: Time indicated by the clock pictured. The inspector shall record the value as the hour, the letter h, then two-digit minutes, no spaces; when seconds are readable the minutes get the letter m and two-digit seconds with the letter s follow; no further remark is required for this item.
2h52m35s
